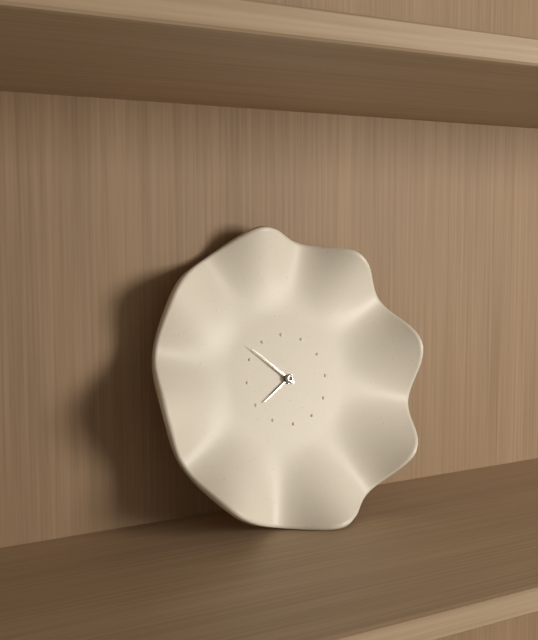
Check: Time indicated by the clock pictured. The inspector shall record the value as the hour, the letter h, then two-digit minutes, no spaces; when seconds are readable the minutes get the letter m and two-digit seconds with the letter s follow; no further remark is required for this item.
7h52
